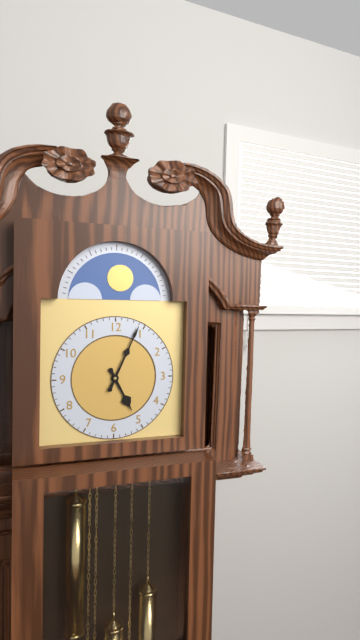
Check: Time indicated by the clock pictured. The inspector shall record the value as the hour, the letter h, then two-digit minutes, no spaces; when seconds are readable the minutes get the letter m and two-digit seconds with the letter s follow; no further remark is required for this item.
5h04
